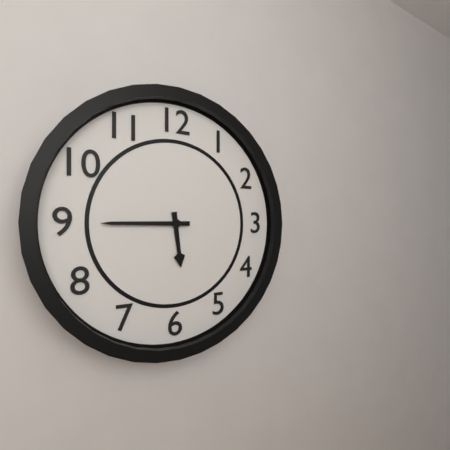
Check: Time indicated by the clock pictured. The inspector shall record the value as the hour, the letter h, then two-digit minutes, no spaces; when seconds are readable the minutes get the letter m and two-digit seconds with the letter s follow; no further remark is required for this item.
5h45
